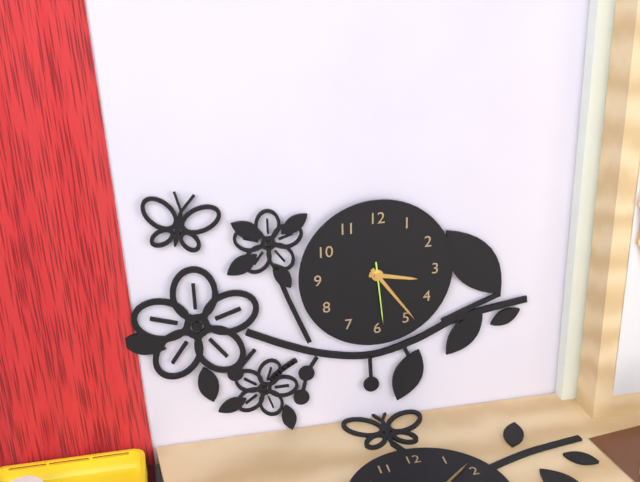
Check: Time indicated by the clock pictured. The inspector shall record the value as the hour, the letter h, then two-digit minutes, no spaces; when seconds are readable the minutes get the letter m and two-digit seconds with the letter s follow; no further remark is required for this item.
3h24m29s
